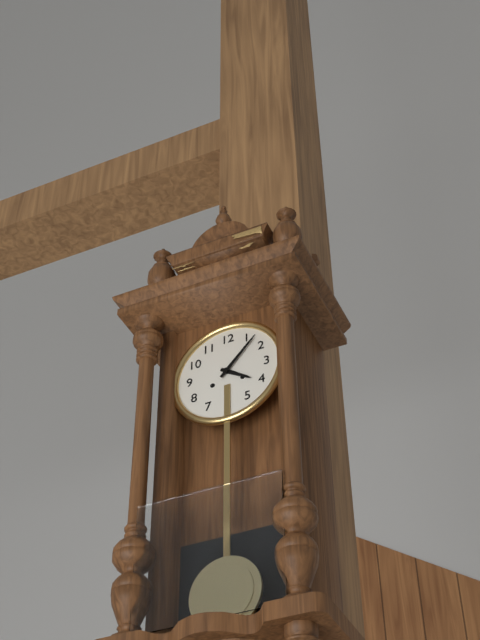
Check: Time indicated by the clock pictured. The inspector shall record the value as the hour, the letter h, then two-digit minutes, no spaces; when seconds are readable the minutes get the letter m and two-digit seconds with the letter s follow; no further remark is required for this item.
4h07
